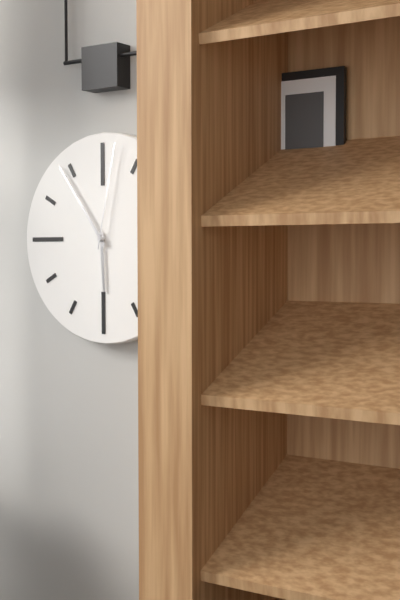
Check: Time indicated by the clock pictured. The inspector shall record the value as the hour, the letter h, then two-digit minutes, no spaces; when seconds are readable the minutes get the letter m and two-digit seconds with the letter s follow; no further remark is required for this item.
5h54m02s
